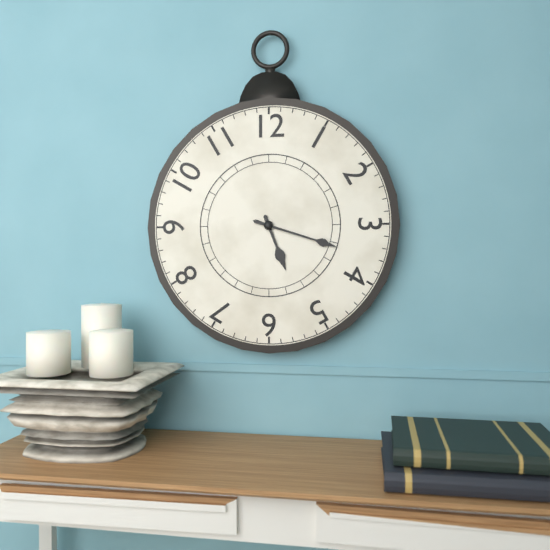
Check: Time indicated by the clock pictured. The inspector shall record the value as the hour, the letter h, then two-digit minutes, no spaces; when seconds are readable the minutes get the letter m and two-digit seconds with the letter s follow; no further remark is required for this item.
5h18
